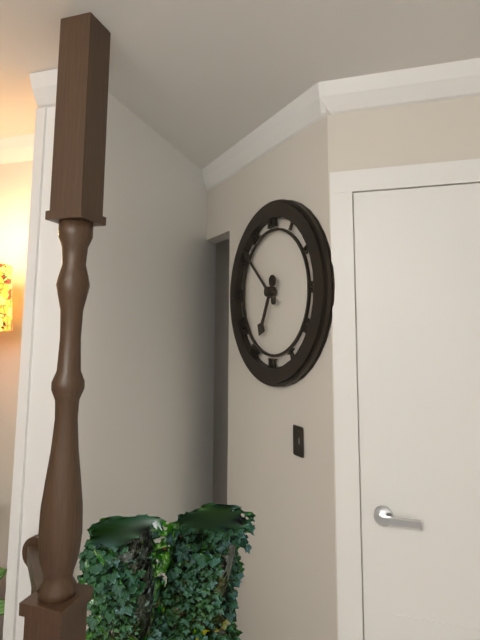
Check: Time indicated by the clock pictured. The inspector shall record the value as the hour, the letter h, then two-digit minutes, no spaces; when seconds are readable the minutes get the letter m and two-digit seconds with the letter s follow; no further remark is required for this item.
6h52
